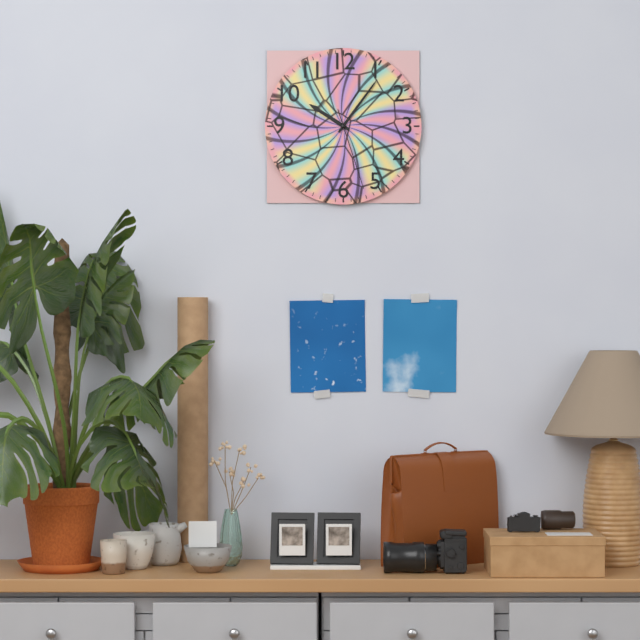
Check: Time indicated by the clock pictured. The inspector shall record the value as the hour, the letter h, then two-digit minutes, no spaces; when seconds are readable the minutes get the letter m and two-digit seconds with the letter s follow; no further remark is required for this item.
10h06m27s
